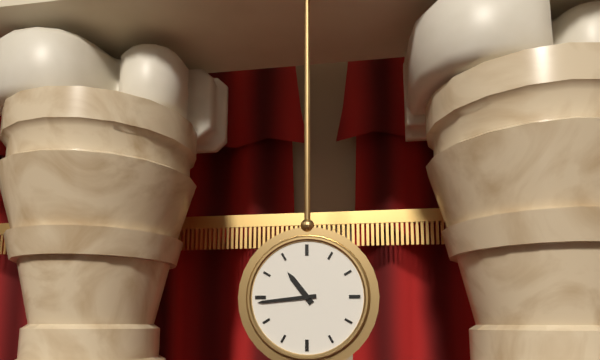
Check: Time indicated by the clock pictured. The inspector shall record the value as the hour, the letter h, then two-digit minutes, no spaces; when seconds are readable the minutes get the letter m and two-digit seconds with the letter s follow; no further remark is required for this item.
10h44
